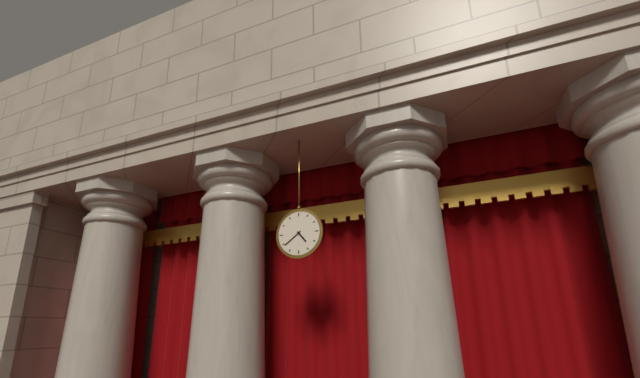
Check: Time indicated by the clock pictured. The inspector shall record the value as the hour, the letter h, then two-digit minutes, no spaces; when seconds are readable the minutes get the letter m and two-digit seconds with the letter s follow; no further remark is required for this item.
4h39
